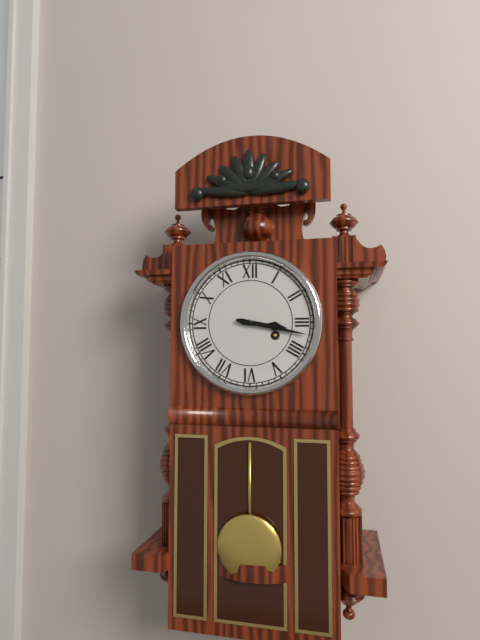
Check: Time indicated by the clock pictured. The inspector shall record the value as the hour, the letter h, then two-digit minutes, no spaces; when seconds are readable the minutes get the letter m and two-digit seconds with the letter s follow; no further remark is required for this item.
3h17
